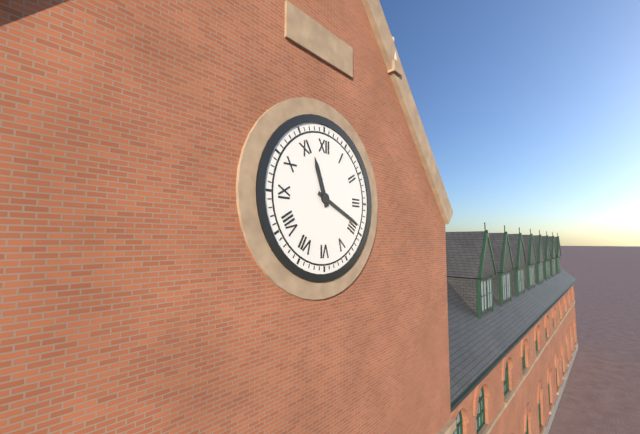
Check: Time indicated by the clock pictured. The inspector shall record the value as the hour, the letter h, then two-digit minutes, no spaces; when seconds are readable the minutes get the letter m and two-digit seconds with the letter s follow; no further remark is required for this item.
11h19
